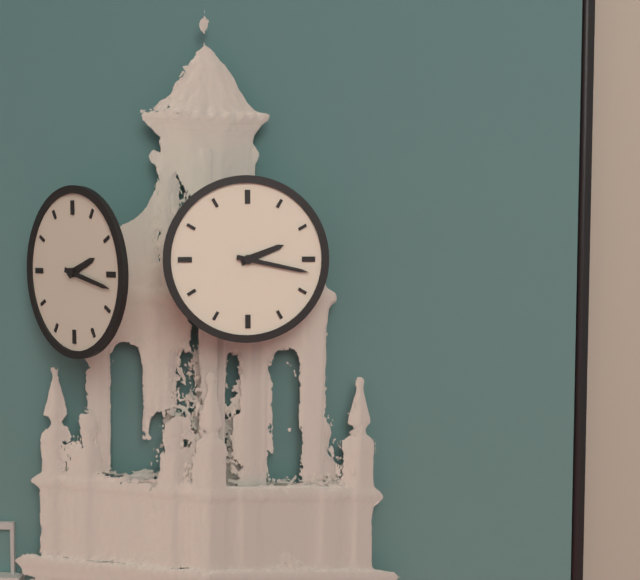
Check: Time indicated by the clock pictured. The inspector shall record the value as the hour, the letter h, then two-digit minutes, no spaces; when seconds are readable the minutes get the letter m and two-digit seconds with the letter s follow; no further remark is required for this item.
2h17
